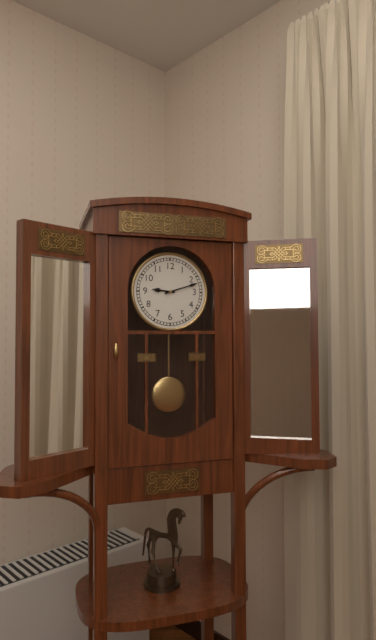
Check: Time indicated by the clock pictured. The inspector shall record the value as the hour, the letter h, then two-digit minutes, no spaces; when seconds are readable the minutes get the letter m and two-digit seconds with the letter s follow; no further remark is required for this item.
9h12
